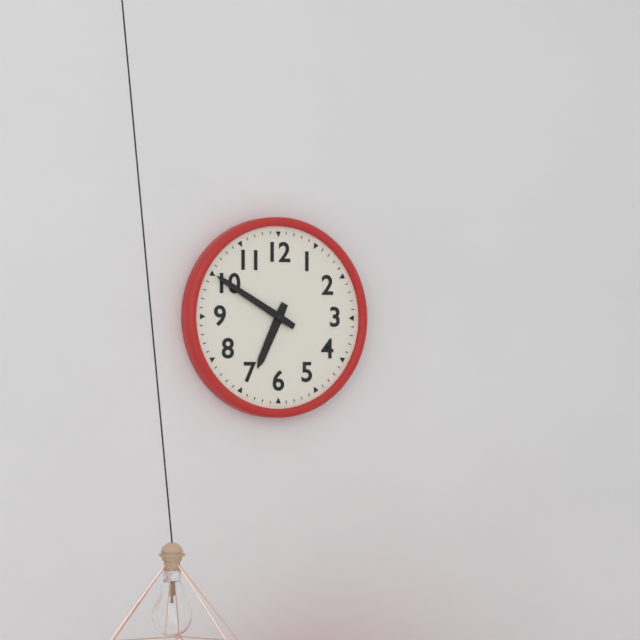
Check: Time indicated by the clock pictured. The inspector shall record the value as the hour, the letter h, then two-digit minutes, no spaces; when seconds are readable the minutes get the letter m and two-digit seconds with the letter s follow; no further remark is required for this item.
6h50
